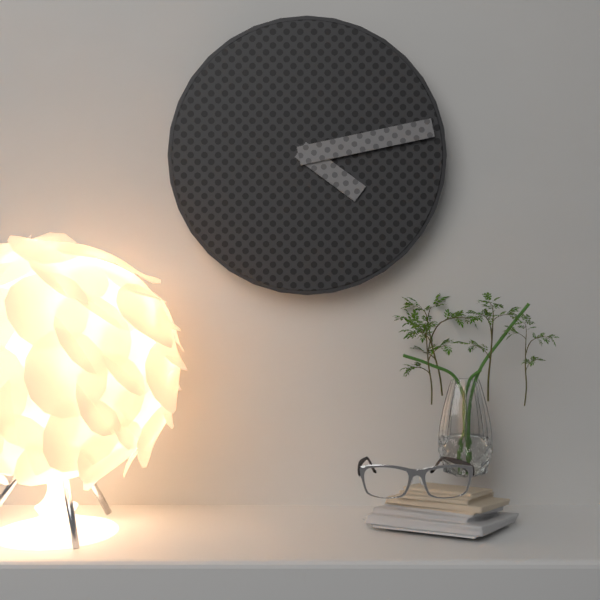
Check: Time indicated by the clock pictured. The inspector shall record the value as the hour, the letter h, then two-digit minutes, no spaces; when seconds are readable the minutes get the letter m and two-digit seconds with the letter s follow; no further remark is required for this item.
4h13
